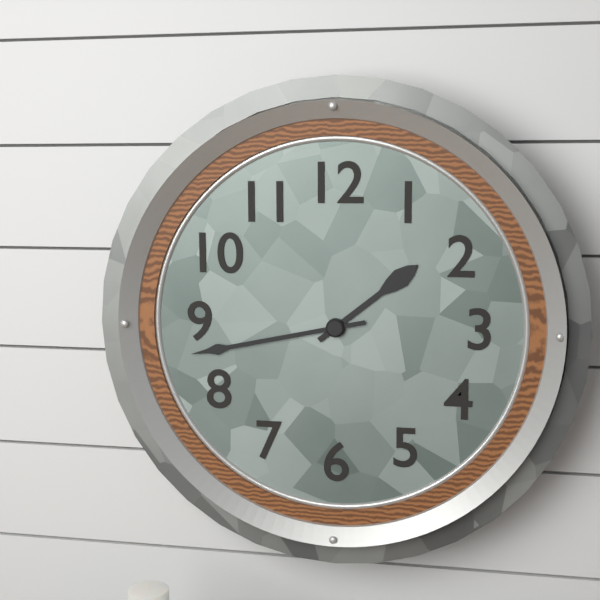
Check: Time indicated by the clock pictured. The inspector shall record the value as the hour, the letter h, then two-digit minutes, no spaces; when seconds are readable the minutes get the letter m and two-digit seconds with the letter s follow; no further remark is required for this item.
1h43
